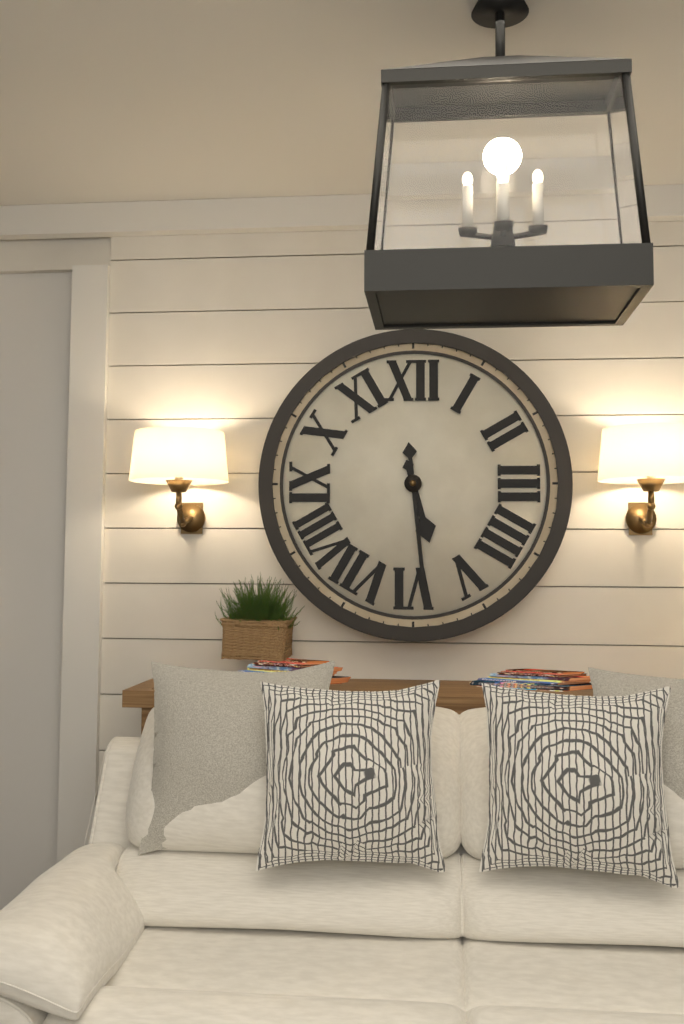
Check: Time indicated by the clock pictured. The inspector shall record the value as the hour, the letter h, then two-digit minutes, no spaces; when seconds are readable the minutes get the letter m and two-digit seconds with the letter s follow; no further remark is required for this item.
5h29
